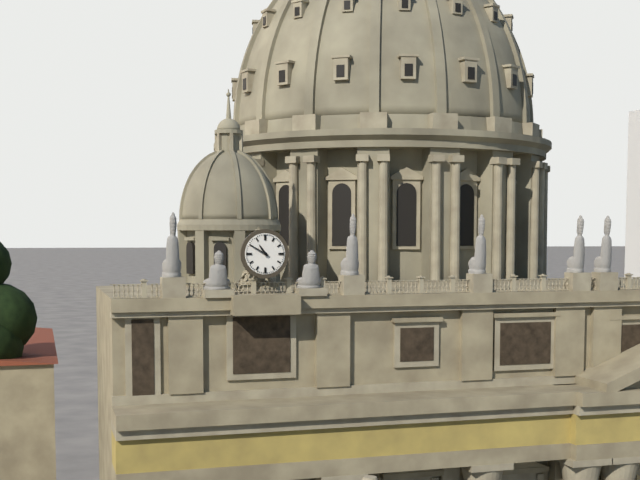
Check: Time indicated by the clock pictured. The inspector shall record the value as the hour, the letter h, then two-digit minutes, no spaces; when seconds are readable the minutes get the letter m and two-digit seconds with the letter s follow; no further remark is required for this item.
10h50
